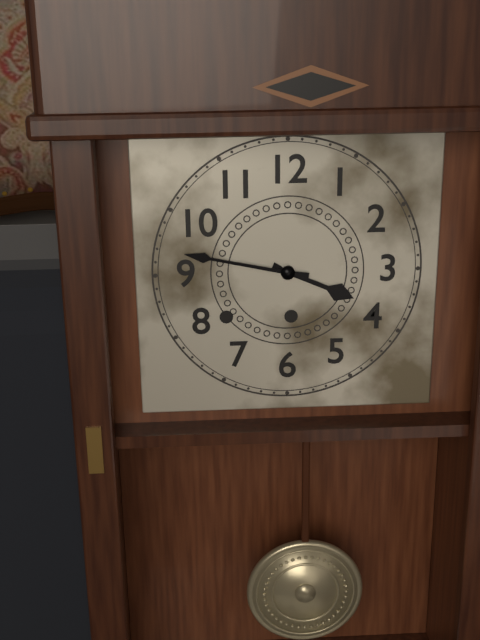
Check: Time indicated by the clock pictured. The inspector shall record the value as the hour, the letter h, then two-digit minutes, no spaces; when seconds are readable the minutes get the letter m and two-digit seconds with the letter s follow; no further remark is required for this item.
3h47
